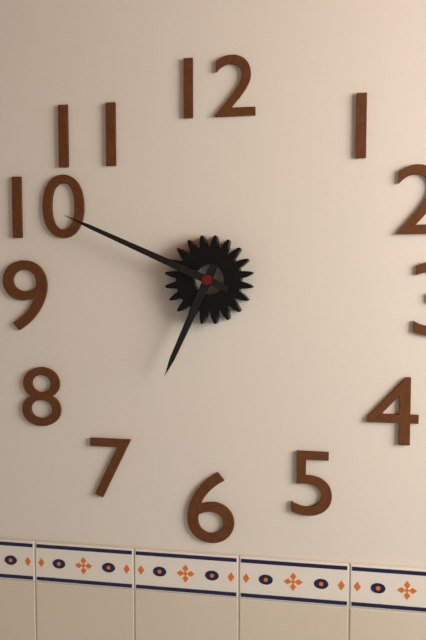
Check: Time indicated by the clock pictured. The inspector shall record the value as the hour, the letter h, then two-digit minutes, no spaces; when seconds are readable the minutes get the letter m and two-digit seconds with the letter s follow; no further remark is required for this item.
6h49
